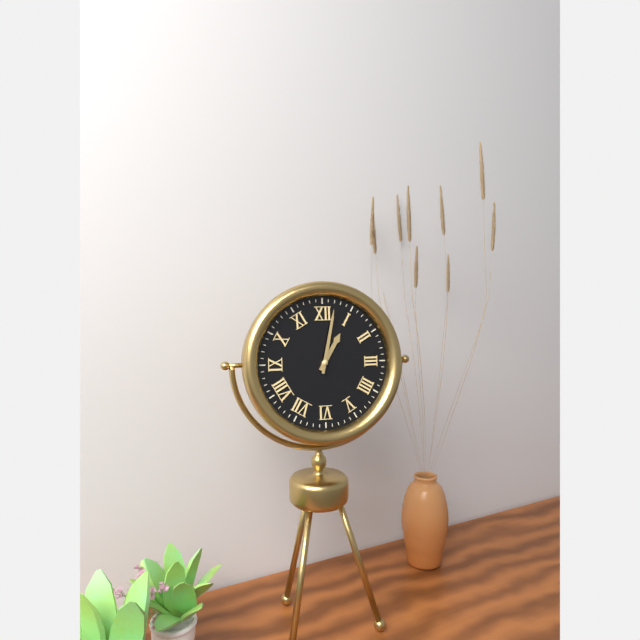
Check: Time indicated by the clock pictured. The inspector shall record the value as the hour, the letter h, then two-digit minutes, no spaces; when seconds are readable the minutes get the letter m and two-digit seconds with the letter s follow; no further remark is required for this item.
1h02
